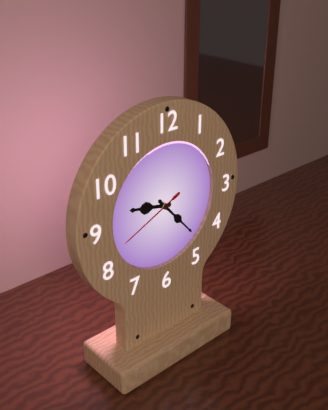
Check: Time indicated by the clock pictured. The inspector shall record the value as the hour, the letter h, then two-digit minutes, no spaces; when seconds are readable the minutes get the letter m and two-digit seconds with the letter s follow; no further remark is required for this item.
9h23m41s
